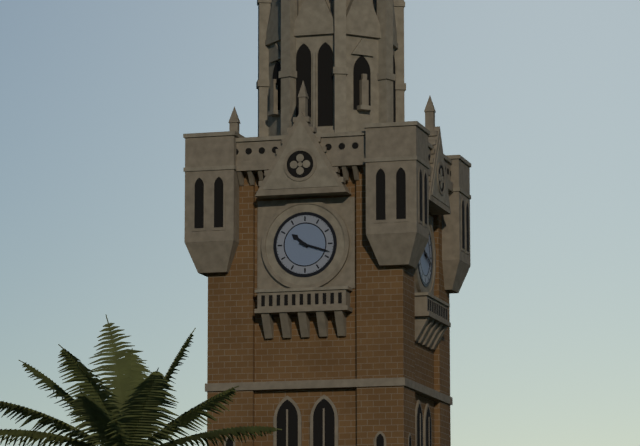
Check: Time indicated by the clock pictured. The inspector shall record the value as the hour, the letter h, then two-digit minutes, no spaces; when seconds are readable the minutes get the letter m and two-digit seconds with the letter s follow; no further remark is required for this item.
10h18
